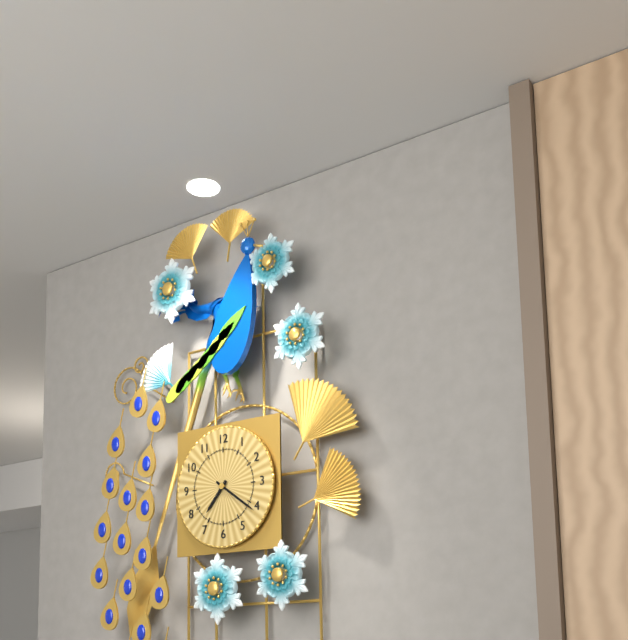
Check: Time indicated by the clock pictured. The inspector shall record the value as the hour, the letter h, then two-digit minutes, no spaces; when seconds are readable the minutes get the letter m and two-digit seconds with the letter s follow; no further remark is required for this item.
7h21
